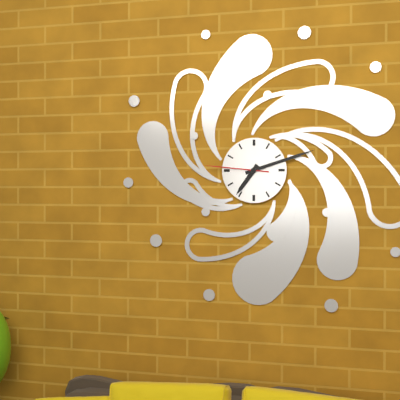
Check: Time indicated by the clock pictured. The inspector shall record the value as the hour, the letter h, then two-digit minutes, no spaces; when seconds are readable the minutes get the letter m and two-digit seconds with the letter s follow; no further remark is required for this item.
7h12m46s
